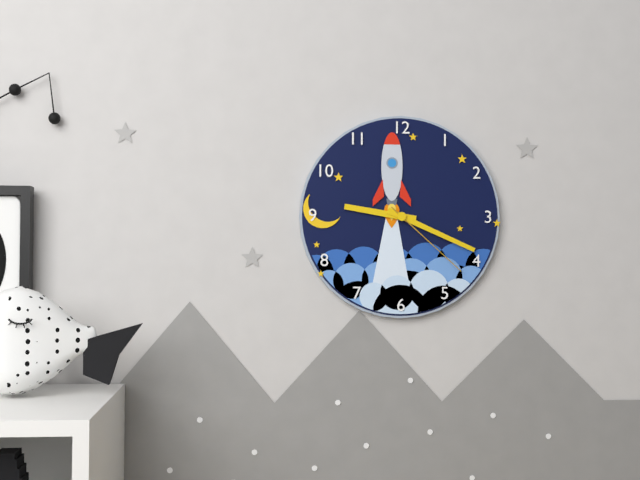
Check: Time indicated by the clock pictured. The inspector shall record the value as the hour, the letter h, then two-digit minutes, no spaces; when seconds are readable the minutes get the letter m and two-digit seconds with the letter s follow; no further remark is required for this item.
9h19m22s
